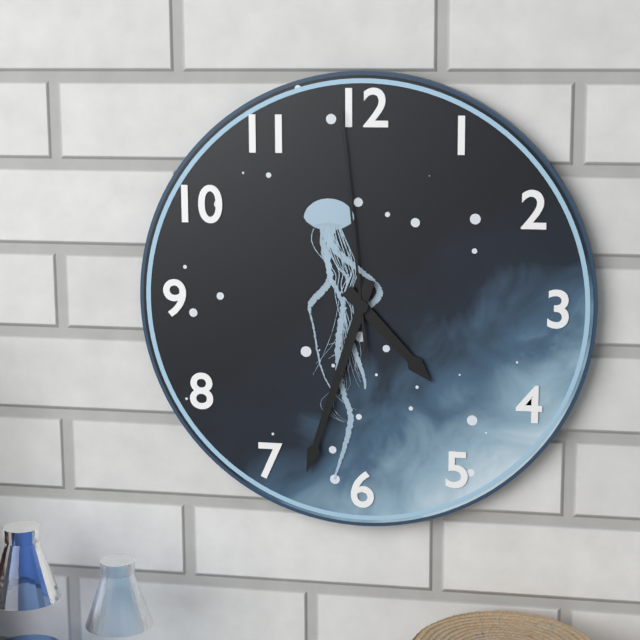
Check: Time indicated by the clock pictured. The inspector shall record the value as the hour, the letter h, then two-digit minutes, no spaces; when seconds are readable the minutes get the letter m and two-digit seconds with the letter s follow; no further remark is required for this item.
4h33m59s
